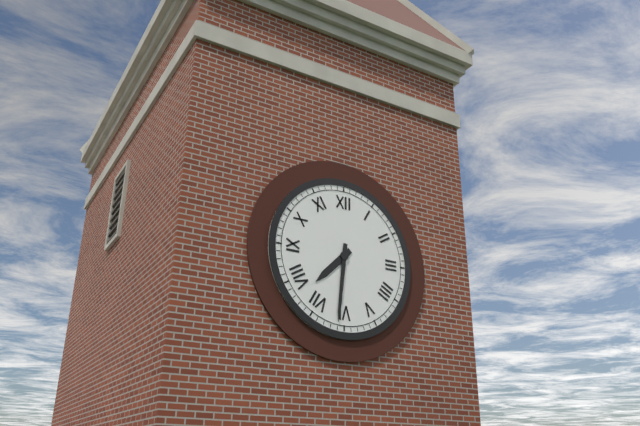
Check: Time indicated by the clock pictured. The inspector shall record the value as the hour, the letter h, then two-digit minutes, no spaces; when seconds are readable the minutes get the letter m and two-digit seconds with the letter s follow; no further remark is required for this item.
7h31
